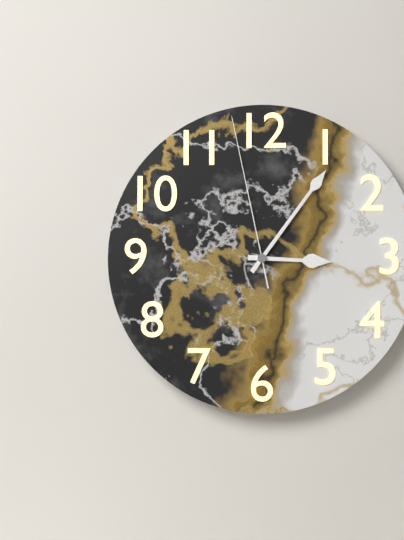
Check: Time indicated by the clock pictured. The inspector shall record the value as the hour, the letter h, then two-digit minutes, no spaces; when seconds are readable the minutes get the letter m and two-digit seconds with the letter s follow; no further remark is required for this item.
3h06m58s
